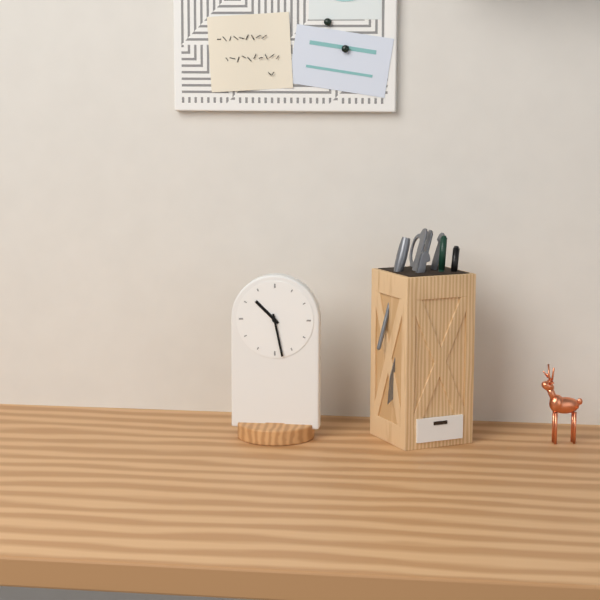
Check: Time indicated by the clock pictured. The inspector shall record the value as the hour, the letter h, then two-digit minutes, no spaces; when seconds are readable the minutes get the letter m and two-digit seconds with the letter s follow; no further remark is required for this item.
10h28
